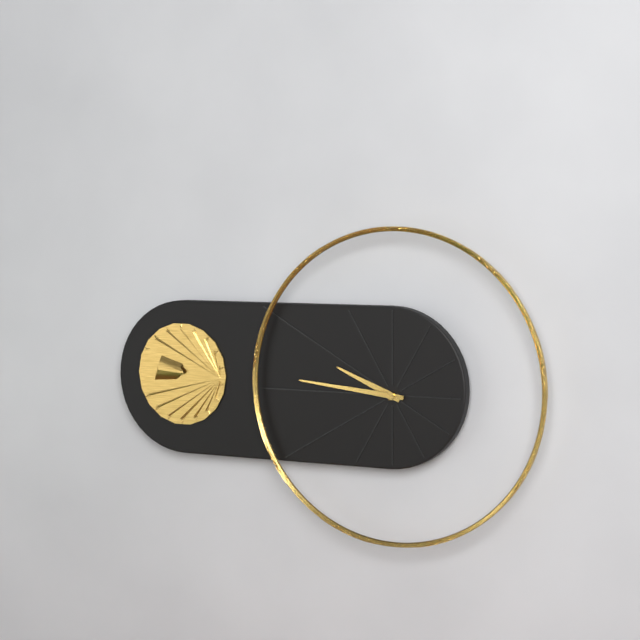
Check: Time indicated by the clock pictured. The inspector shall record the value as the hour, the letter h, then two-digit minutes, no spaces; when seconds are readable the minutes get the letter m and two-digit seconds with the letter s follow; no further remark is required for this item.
9h46
